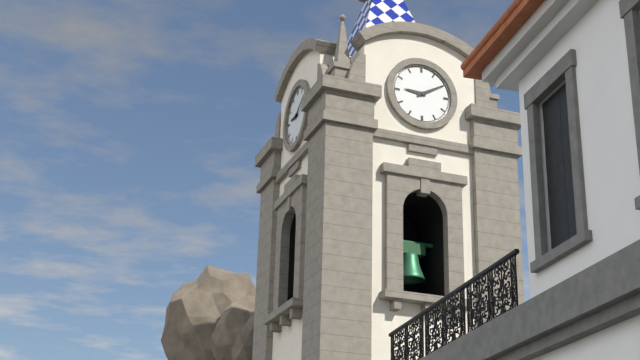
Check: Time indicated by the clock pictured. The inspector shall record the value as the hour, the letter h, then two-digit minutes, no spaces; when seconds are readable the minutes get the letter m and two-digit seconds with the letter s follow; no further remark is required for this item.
9h10
